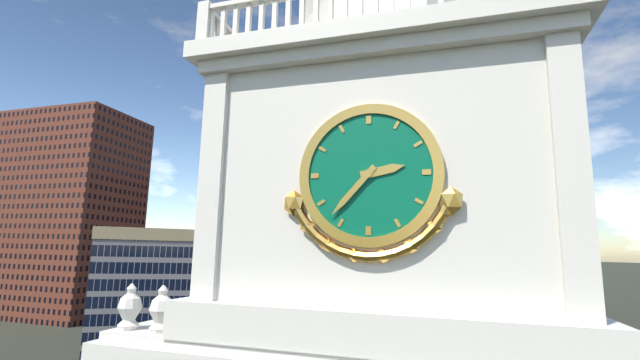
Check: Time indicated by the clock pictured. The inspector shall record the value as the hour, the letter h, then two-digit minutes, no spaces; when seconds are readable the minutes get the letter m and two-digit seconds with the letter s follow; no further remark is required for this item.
2h37
